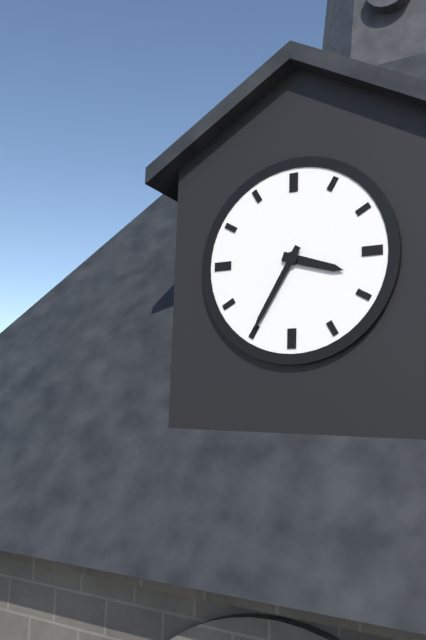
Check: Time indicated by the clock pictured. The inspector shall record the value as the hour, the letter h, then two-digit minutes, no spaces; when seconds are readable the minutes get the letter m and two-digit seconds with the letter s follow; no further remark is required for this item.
3h35
